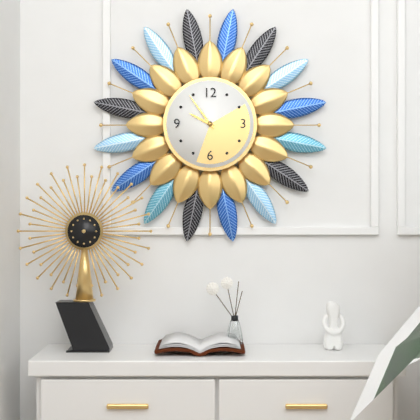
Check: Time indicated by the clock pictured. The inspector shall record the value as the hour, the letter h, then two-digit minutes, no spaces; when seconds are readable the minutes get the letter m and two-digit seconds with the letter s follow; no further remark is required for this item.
9h54
